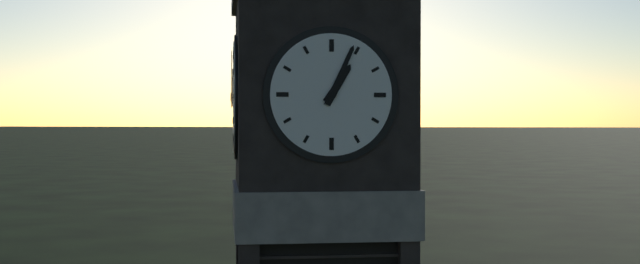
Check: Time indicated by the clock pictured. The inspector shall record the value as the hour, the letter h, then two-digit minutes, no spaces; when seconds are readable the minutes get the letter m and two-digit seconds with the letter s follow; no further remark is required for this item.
1h04
